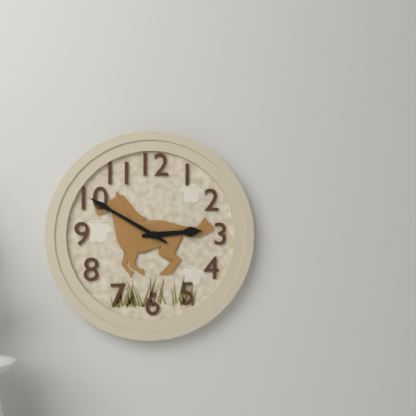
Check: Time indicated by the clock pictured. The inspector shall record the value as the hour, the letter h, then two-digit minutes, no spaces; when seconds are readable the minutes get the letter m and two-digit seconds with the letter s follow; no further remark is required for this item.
2h50
